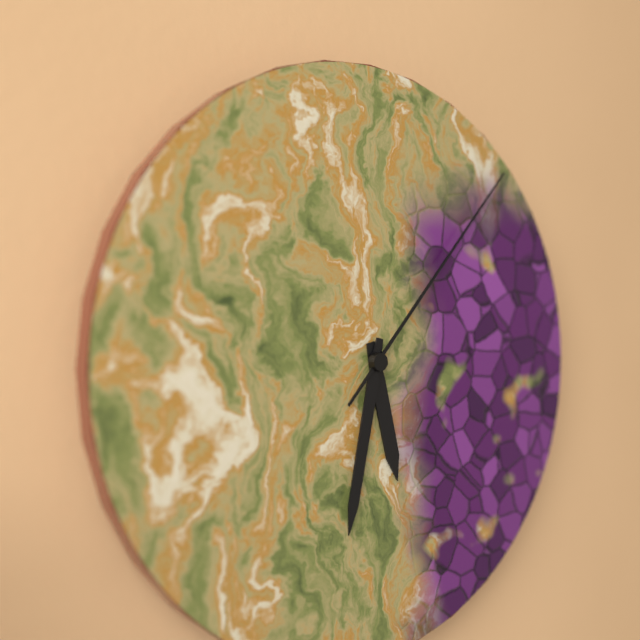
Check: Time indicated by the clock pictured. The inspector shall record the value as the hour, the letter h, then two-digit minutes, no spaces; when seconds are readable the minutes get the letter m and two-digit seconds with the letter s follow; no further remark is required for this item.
5h32m07s
